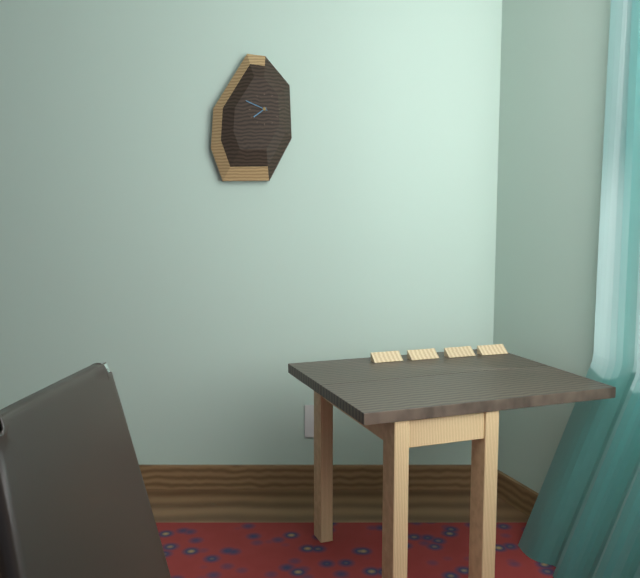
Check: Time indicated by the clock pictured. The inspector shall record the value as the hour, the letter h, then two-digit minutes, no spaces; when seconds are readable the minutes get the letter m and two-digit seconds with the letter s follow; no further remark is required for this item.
7h49
